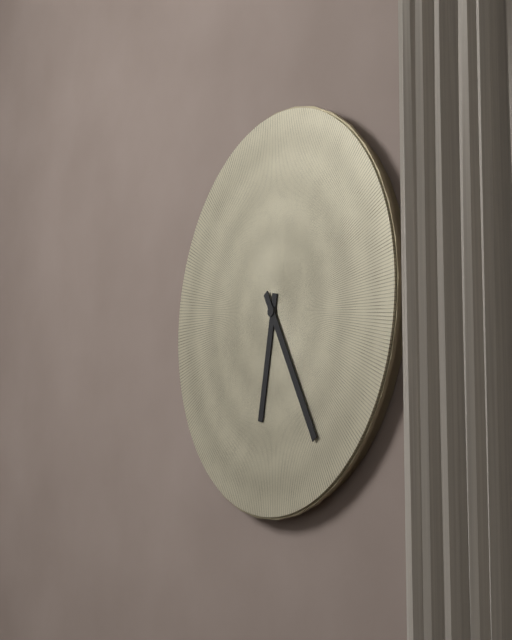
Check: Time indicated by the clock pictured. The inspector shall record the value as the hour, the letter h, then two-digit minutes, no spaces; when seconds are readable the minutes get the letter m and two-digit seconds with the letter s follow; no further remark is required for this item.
6h25
